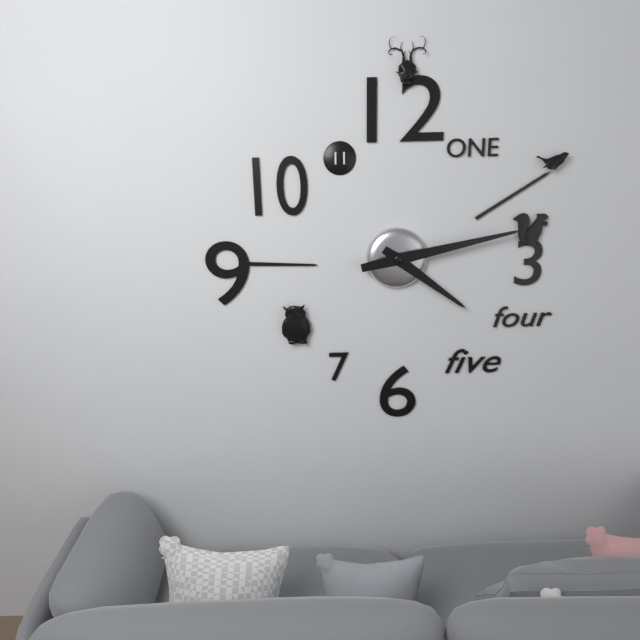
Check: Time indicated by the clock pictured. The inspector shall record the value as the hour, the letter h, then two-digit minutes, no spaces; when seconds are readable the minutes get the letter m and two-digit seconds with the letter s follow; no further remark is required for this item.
4h13
